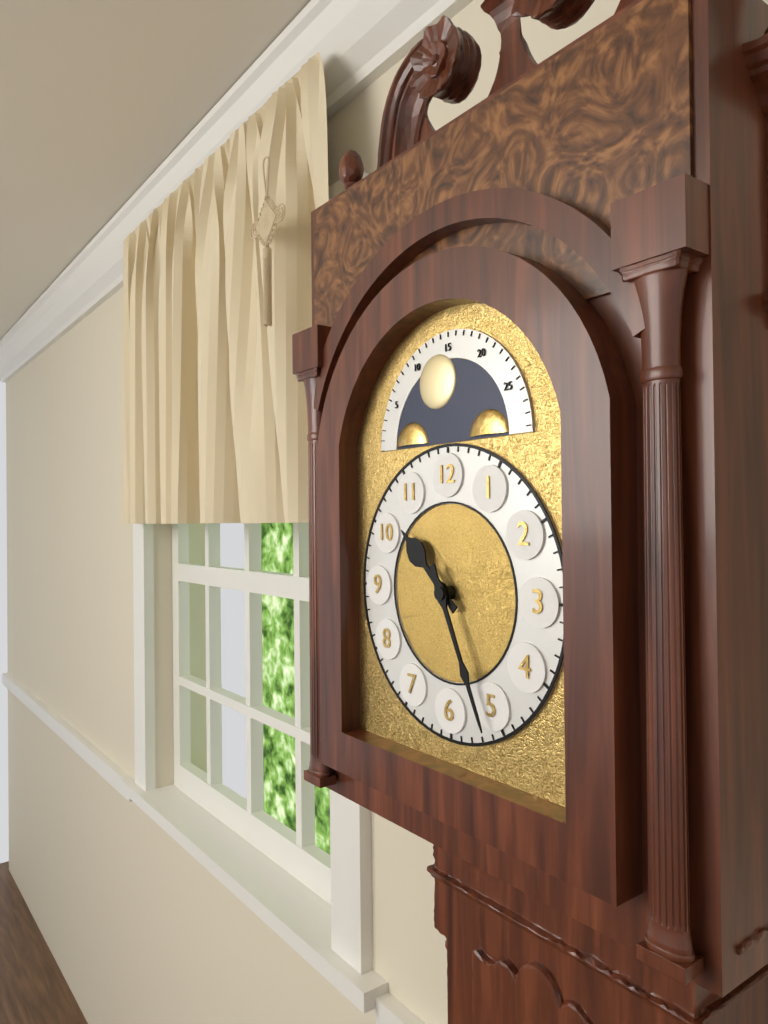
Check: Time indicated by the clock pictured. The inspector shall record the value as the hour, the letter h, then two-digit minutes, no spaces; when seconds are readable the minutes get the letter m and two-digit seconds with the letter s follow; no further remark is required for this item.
10h26
